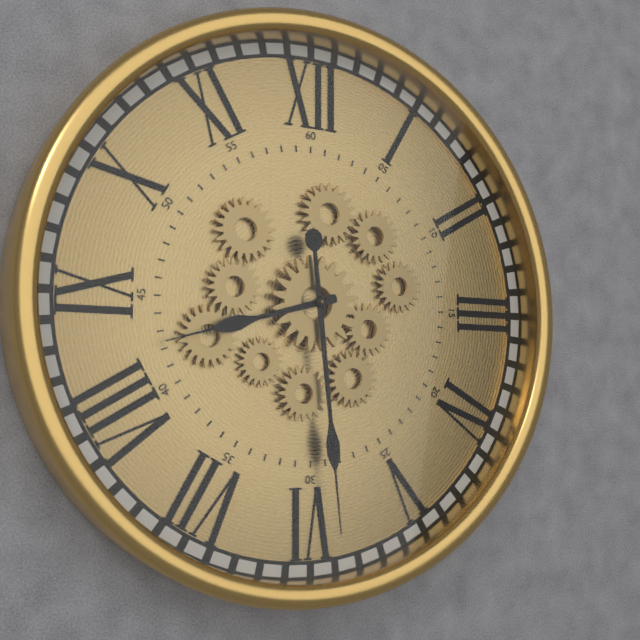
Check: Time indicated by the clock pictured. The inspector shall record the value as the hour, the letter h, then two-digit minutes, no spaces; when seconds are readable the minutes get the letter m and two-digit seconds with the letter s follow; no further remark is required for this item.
8h29
